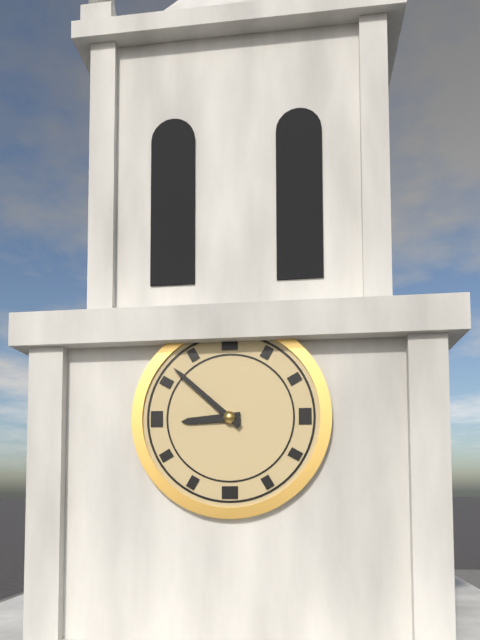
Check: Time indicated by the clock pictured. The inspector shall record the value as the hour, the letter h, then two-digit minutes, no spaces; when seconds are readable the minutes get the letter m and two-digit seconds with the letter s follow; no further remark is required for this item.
8h52
